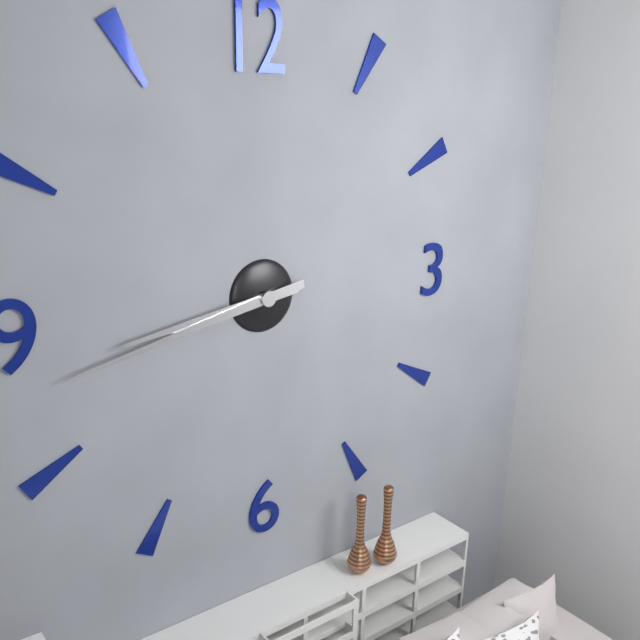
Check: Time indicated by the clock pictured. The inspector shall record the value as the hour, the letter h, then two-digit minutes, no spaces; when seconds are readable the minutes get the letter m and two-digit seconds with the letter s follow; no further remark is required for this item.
8h43
